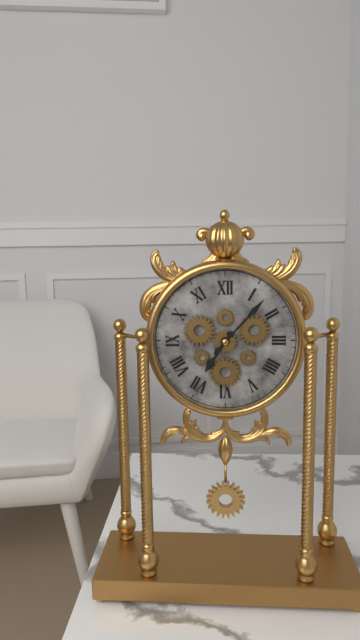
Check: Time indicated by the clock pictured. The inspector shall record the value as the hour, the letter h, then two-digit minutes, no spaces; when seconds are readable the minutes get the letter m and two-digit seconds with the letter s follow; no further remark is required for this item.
7h07
